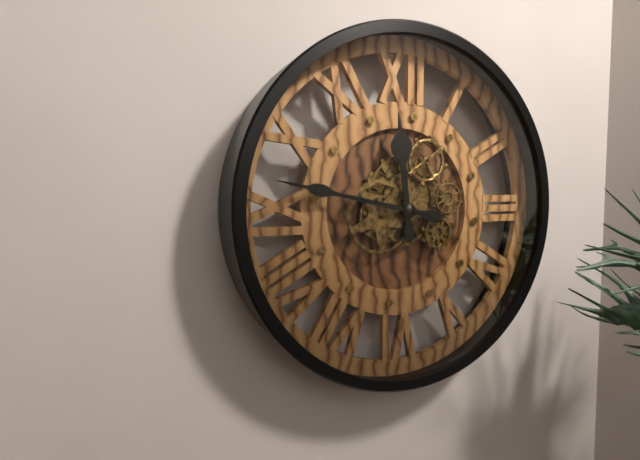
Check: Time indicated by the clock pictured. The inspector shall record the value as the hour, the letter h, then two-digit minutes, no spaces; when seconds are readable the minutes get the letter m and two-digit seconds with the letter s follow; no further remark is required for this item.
11h47
